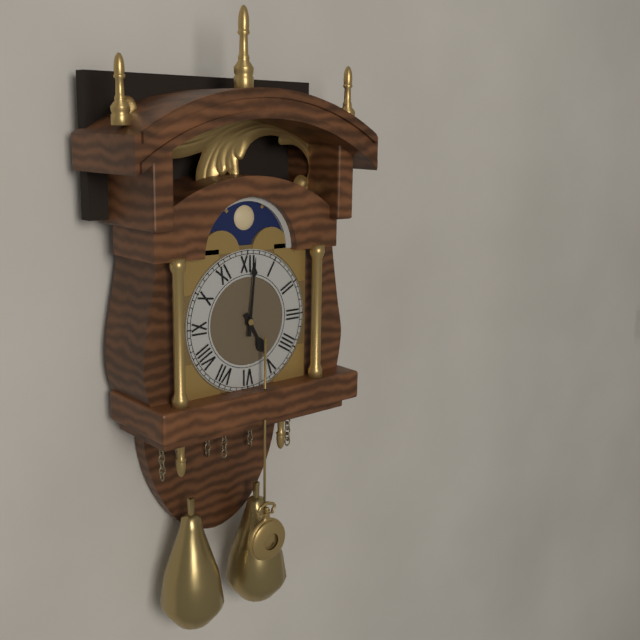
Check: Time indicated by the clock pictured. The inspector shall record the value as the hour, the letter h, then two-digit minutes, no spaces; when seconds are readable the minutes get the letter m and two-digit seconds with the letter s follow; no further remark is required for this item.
5h01
